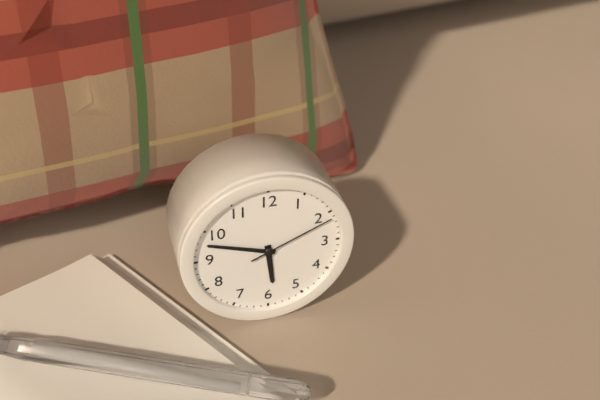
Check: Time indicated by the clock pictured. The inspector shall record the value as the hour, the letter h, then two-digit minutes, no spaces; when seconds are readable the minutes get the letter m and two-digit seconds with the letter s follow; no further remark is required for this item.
5h48m11s
